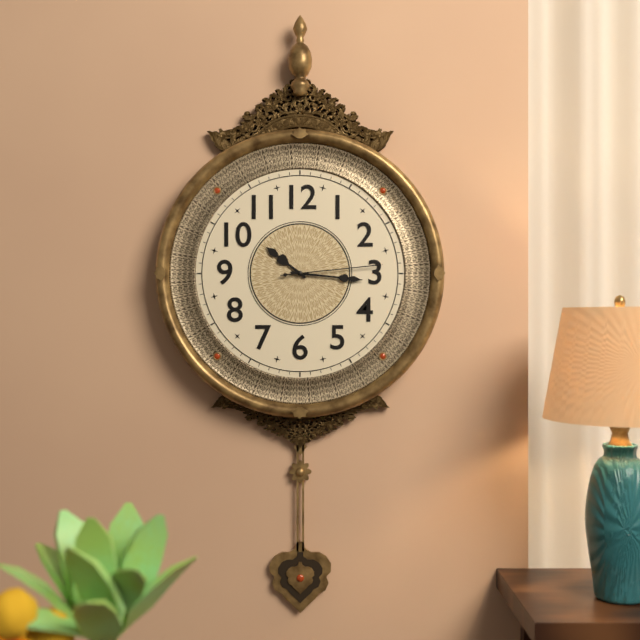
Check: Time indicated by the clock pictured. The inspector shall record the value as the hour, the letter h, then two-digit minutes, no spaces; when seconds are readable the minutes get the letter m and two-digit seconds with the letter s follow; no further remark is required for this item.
10h16m14s
